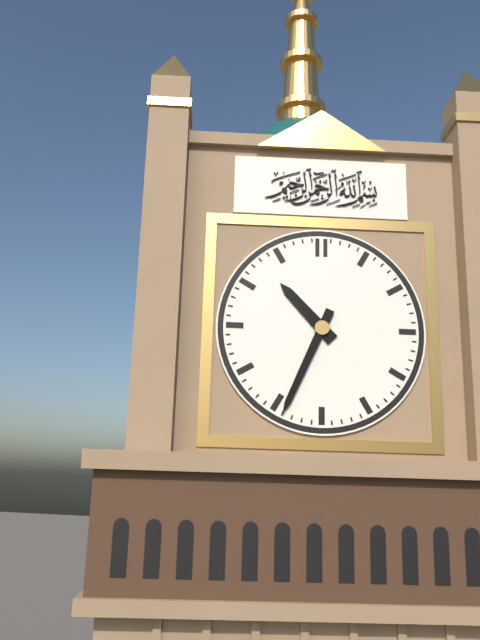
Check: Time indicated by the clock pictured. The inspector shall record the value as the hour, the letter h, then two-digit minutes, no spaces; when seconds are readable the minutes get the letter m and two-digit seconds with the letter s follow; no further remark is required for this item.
10h34
